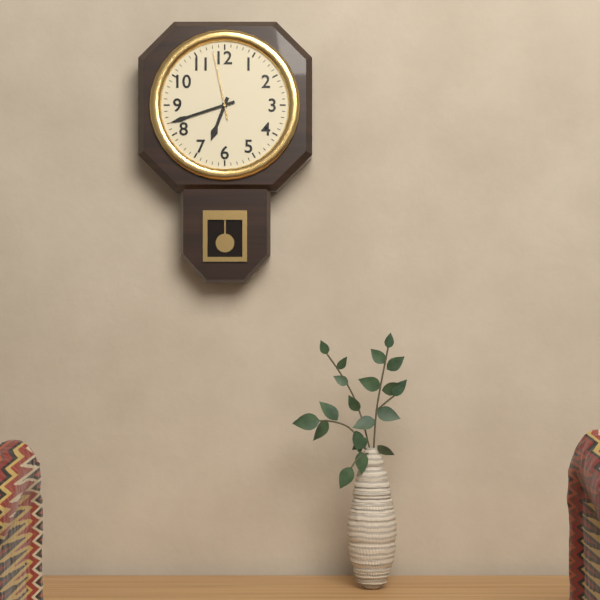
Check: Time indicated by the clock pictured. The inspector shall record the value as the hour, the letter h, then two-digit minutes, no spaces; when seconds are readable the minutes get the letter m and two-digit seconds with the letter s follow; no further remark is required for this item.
6h42m58s
